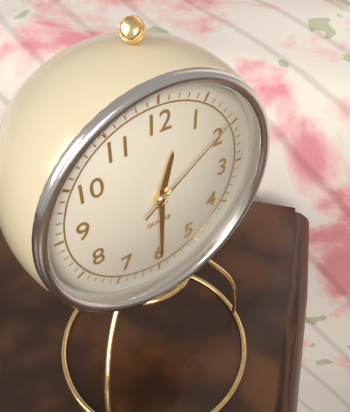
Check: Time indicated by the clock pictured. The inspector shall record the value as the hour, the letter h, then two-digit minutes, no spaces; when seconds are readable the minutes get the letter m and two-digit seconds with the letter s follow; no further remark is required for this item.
12h30m09s
